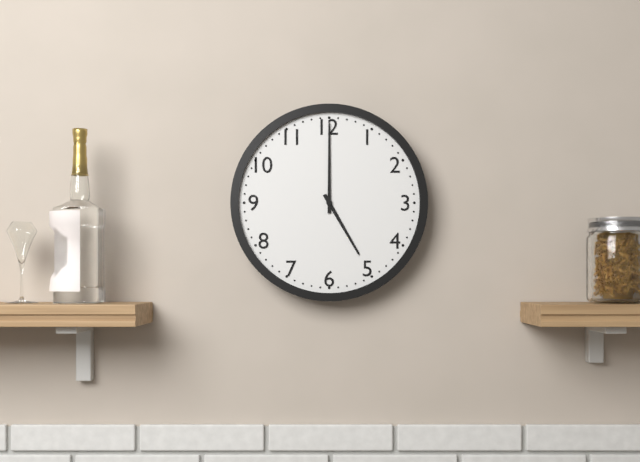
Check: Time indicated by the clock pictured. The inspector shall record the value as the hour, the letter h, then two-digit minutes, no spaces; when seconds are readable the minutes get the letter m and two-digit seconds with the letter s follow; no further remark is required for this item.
5h00
